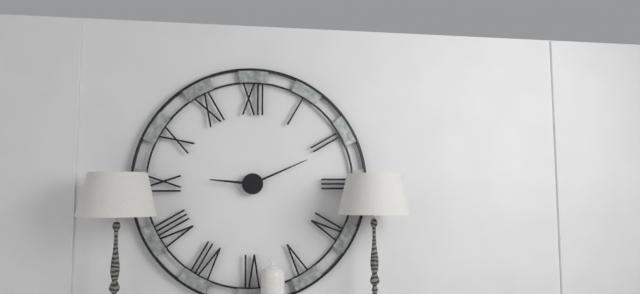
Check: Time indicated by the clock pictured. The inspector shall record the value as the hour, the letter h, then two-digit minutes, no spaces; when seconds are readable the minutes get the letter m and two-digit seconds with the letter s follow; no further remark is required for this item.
9h11
